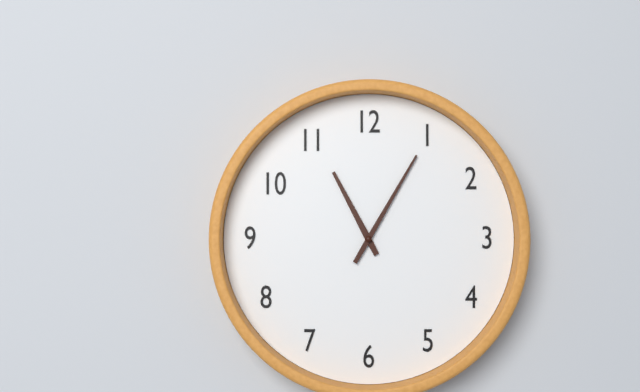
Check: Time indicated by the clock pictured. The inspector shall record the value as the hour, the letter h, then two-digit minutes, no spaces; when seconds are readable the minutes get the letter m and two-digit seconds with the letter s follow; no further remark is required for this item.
11h05
